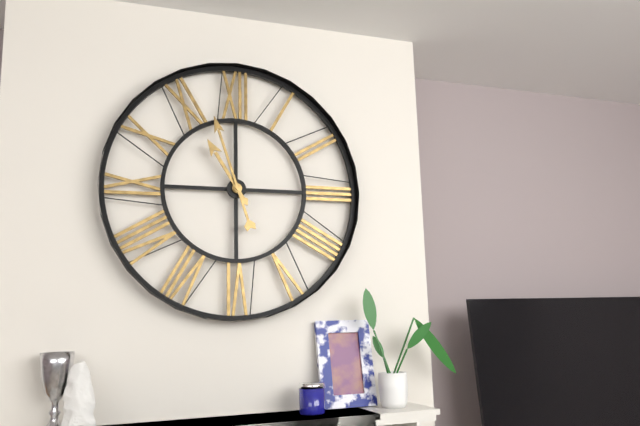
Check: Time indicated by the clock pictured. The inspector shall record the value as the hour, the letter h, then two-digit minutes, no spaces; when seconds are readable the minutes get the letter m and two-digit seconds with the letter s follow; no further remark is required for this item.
10h57
